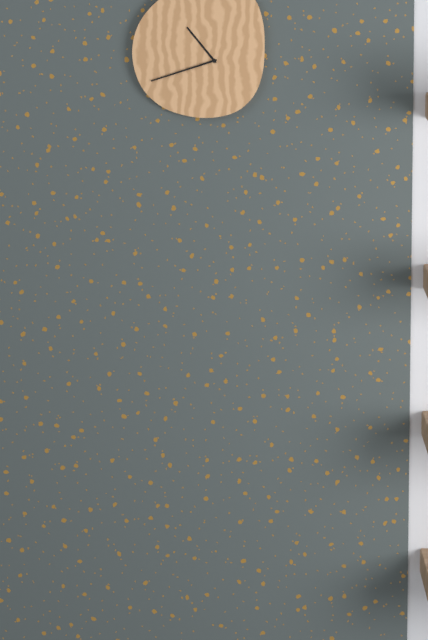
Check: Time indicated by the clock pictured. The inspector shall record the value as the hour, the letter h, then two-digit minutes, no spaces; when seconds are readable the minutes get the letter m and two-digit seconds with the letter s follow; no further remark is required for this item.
10h42
